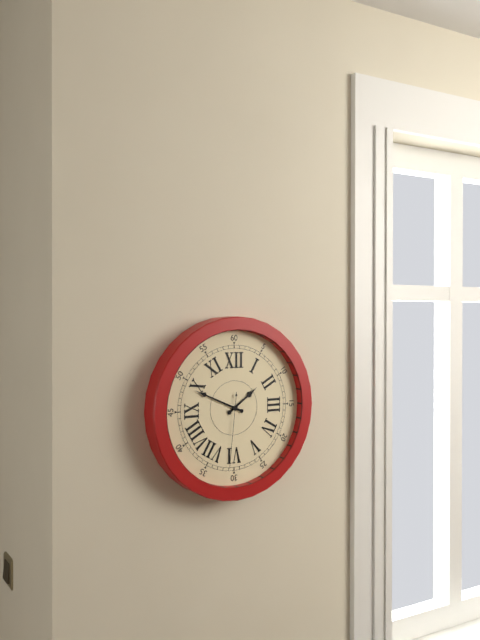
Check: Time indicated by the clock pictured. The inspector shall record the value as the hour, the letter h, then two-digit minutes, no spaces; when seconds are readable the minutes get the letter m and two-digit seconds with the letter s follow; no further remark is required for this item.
1h49m31s
